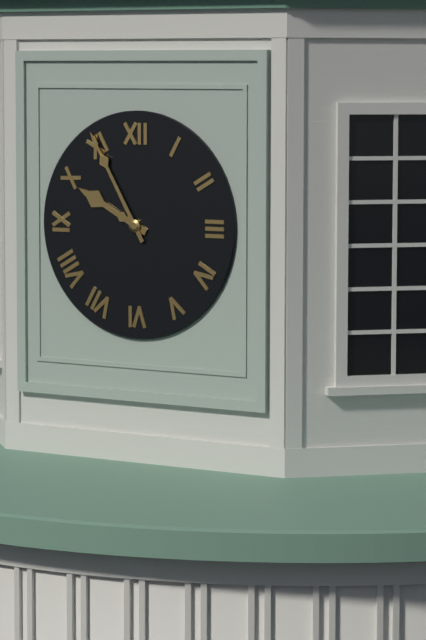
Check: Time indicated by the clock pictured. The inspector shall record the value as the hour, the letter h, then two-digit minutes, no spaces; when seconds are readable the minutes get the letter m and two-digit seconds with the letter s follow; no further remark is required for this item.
9h55
